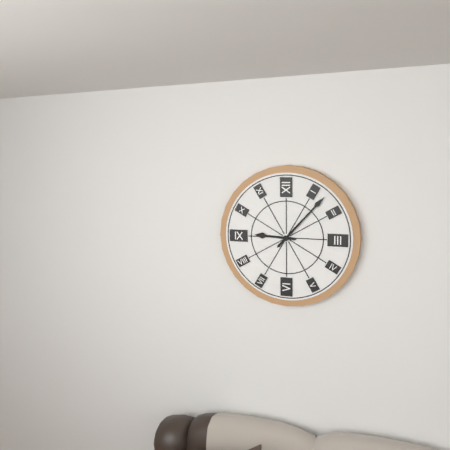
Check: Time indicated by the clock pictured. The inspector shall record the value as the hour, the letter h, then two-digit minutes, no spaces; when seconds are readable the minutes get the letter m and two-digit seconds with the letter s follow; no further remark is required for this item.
9h07
